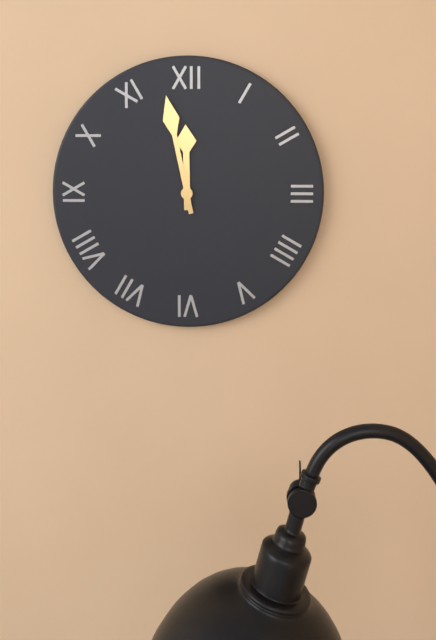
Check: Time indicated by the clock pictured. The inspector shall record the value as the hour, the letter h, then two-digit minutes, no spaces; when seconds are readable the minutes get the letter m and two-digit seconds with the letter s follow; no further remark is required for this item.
11h58
